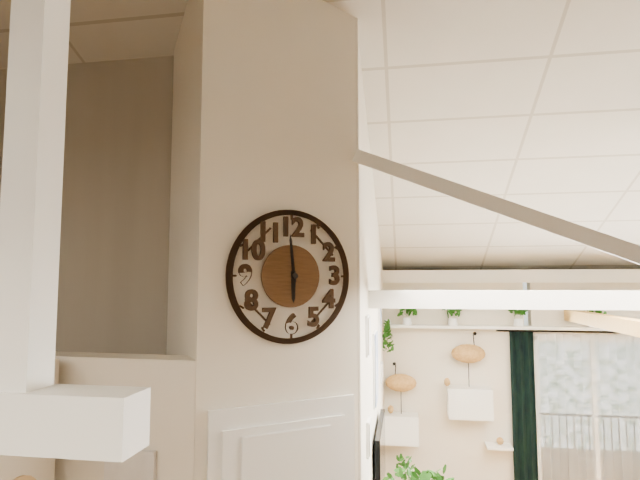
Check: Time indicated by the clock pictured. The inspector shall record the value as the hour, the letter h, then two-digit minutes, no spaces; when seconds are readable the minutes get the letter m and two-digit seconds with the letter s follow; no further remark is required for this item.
5h59
